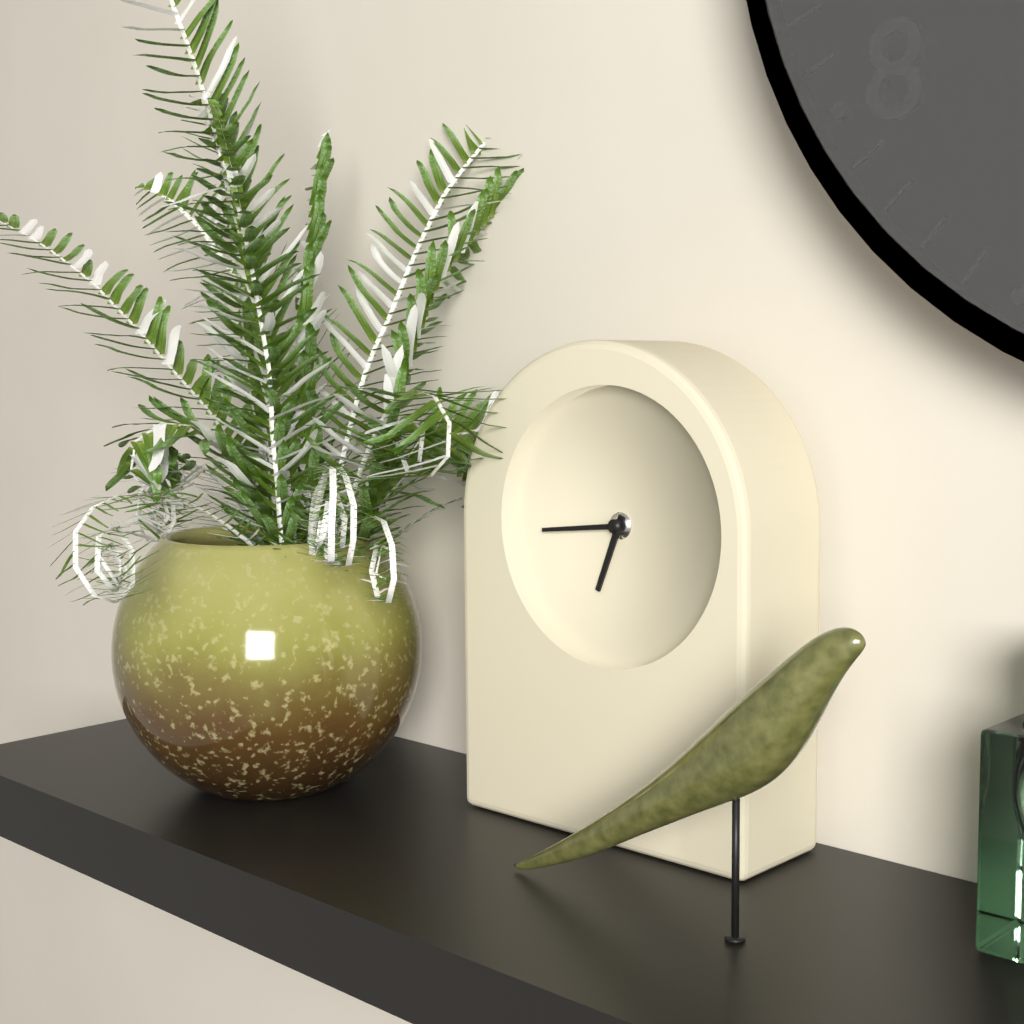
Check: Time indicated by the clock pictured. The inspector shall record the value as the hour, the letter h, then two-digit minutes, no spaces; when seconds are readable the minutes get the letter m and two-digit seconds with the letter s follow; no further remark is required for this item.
6h44
